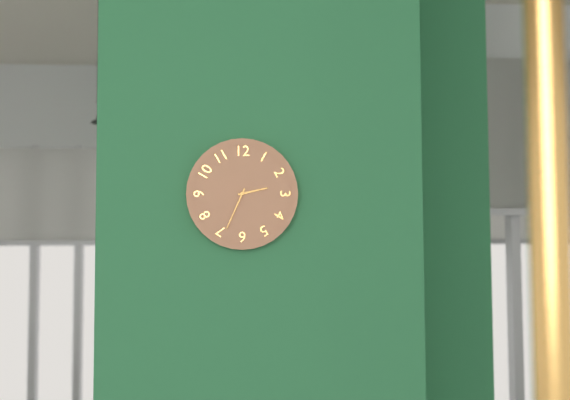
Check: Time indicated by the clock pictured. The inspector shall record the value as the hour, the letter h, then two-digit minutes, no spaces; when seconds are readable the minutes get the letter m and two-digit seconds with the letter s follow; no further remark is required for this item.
2h34
